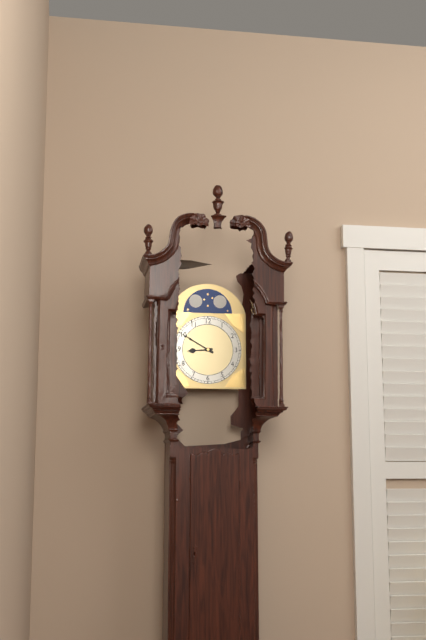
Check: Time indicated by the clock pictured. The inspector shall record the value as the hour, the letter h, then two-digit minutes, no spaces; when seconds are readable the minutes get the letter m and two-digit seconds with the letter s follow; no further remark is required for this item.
8h50
